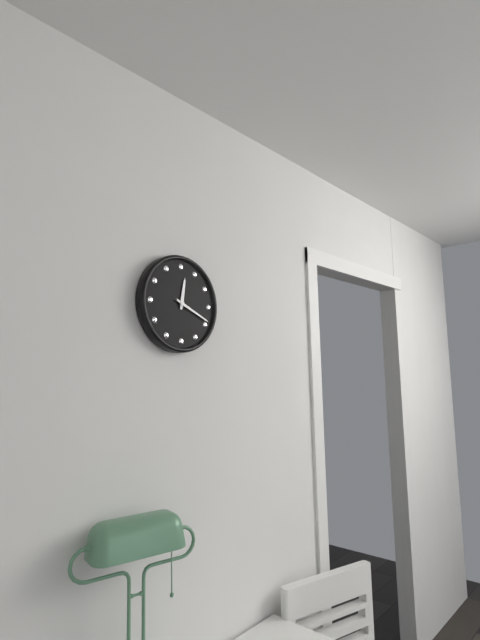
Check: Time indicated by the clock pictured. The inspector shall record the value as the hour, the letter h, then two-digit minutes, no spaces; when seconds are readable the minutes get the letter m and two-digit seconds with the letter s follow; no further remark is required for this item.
12h19
